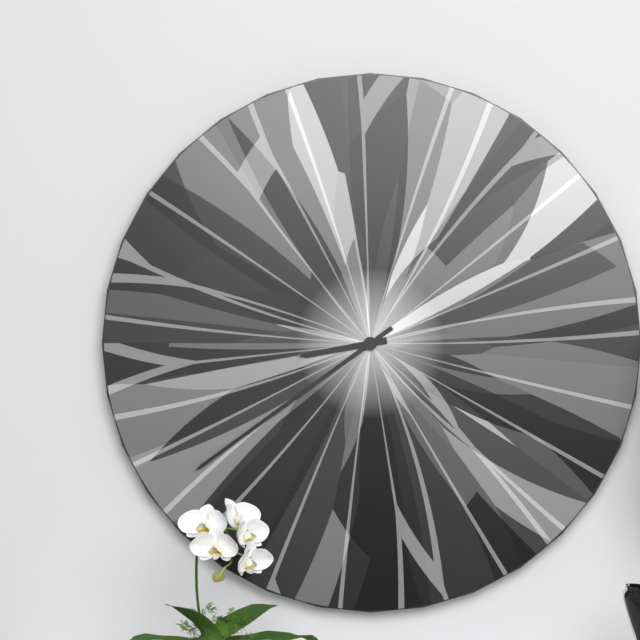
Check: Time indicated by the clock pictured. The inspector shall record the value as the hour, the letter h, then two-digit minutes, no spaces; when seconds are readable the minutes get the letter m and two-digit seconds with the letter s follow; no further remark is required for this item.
8h39
